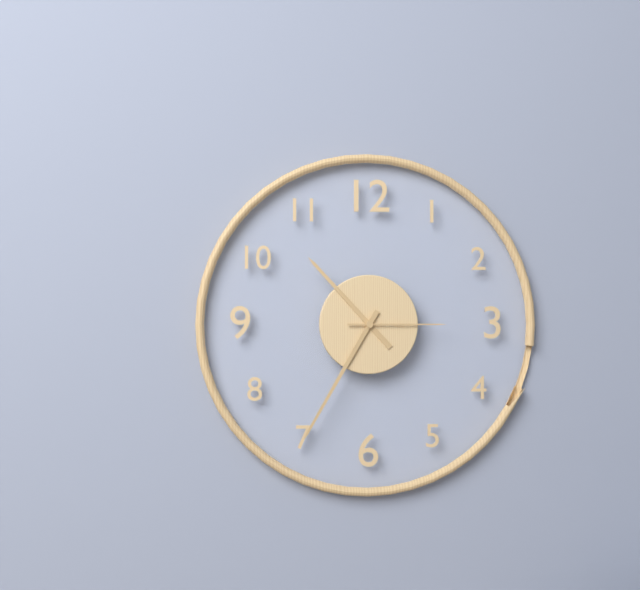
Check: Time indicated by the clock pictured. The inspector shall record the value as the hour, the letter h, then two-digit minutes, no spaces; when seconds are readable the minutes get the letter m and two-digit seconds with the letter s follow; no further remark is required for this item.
10h35m15s
